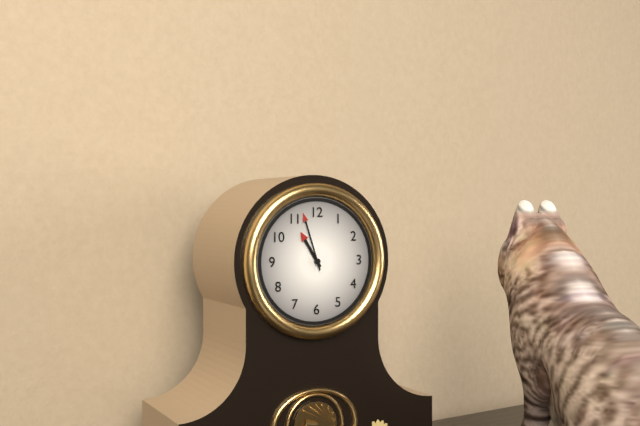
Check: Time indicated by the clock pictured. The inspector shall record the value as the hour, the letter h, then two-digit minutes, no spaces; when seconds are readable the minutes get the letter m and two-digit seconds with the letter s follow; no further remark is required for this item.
10h57
